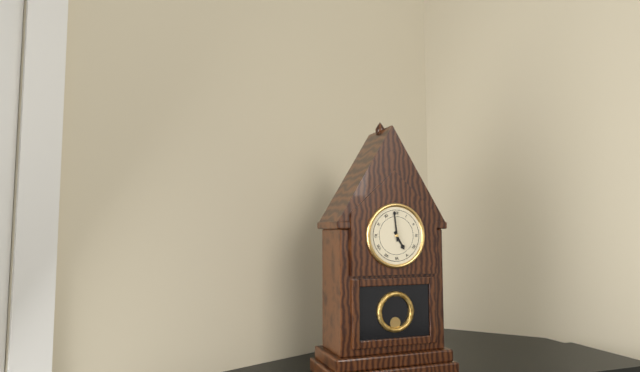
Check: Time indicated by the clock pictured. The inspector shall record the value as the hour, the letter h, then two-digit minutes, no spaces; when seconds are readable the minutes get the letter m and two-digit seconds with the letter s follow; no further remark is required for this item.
4h59
